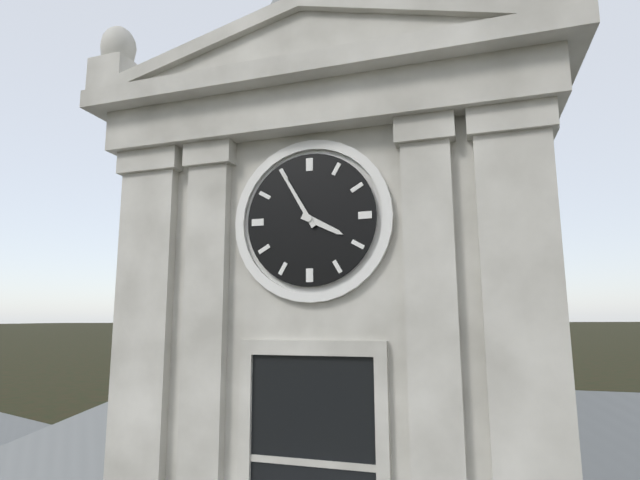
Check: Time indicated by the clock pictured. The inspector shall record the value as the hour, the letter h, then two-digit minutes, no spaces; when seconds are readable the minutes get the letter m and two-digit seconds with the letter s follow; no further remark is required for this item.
3h55
